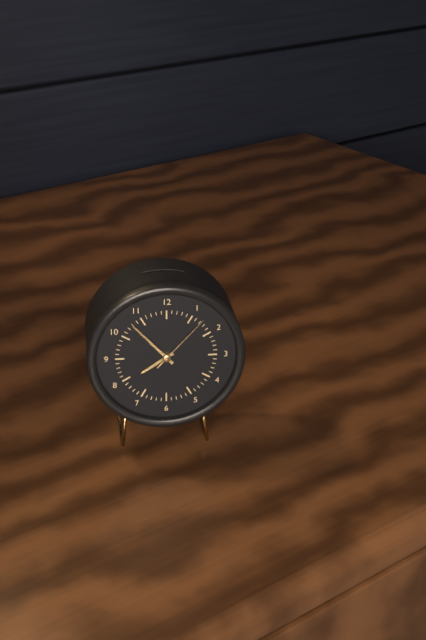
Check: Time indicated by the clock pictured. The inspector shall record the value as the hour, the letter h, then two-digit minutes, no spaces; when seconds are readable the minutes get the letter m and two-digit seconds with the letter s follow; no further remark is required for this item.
7h53m07s
